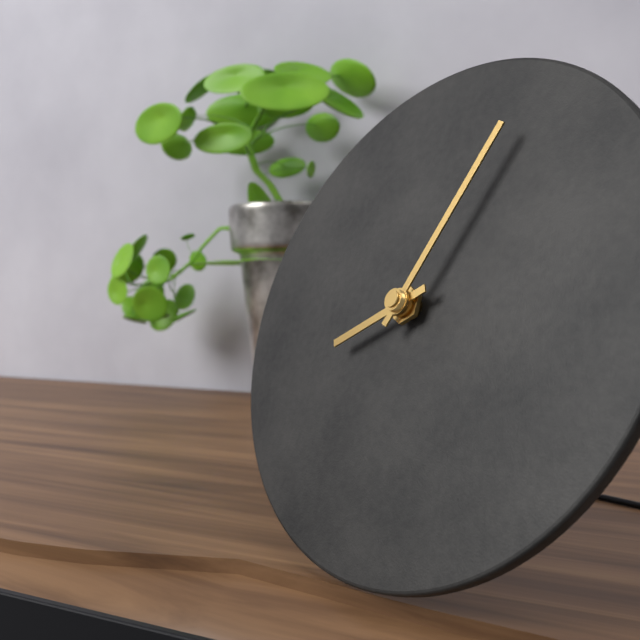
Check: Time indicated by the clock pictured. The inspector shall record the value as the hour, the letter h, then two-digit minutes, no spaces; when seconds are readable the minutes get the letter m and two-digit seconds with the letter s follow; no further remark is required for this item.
8h04
